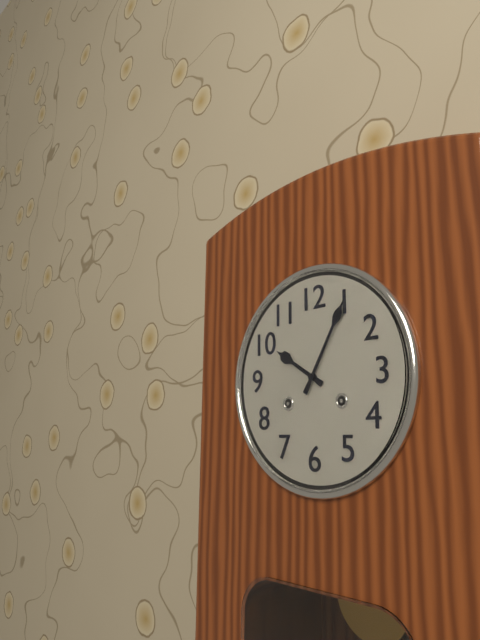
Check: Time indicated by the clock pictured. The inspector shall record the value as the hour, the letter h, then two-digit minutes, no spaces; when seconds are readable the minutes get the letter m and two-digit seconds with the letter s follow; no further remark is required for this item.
10h05
